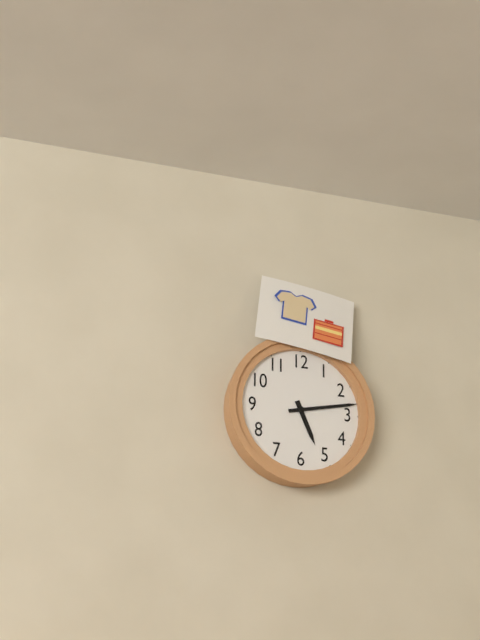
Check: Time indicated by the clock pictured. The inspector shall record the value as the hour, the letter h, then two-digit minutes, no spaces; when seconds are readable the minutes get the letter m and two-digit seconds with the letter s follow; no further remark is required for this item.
5h13
